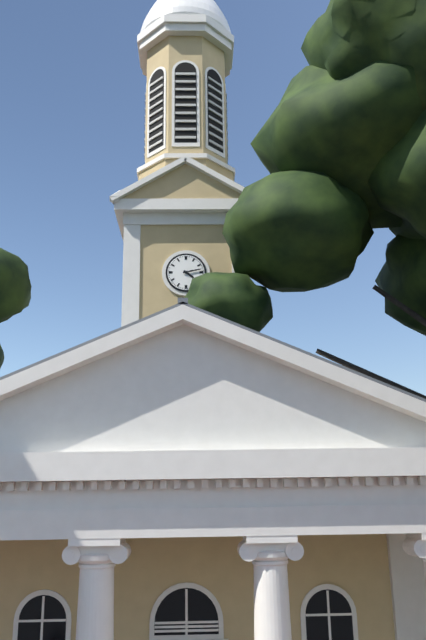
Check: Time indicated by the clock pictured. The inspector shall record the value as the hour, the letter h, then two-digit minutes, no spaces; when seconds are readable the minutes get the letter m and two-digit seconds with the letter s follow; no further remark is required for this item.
4h13
